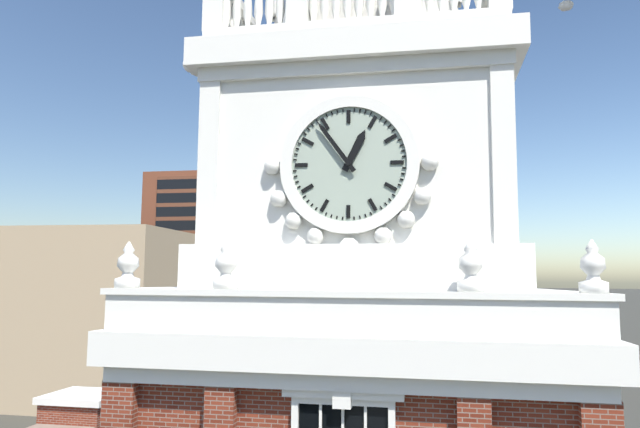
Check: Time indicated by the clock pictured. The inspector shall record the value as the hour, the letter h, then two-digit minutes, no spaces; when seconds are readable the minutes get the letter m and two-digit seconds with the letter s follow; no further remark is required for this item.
12h54
